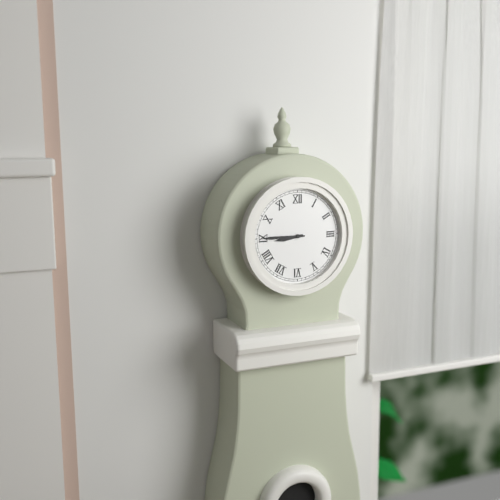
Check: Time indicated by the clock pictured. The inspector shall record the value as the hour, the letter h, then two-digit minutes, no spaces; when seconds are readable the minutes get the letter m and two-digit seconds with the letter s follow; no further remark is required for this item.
8h45
